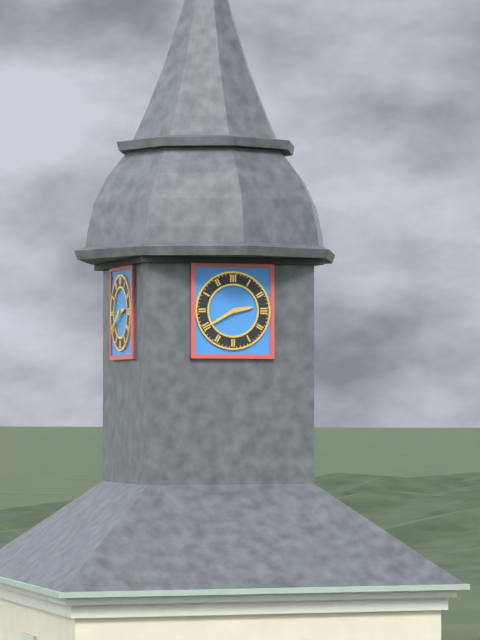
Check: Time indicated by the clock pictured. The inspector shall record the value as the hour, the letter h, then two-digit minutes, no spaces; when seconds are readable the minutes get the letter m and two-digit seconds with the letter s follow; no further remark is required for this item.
2h40
